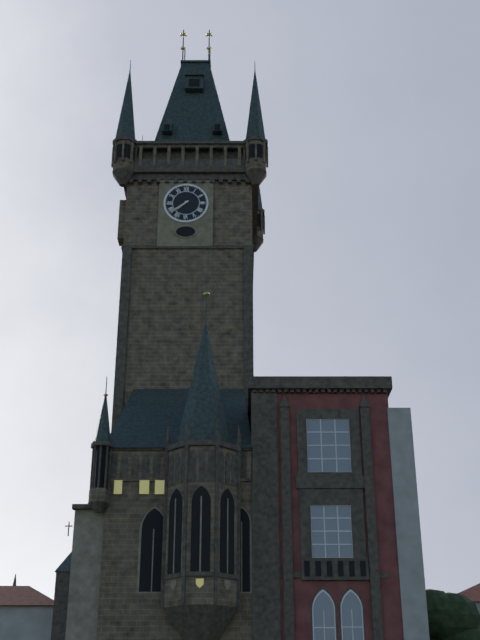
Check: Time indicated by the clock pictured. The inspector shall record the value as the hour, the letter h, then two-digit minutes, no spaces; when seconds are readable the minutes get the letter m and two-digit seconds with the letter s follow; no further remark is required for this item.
7h39
